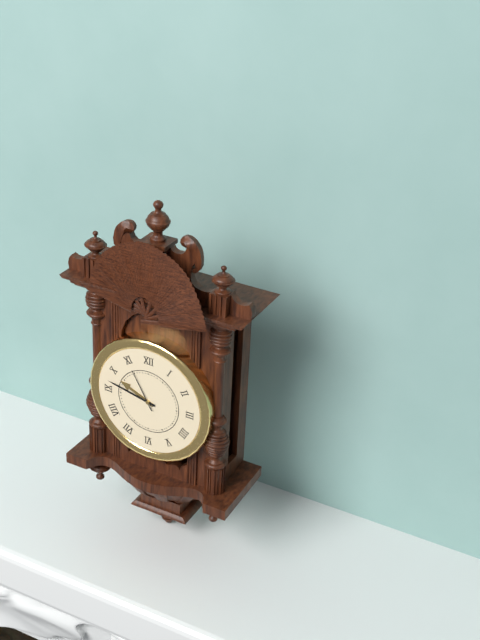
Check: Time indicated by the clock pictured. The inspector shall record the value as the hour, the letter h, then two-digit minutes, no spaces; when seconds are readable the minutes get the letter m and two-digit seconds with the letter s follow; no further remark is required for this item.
9h47
